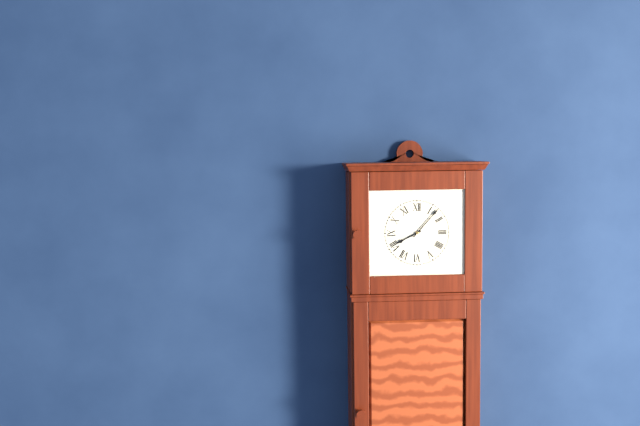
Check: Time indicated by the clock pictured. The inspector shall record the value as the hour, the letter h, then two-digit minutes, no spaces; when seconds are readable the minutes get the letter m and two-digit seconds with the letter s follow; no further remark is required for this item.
8h07
